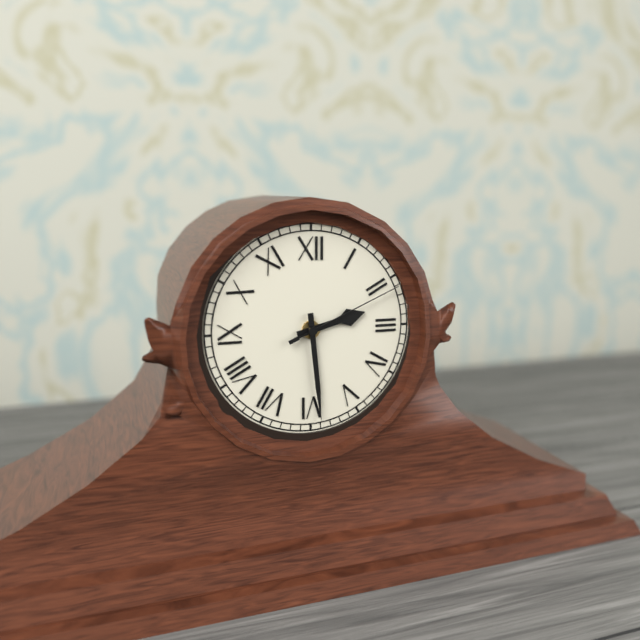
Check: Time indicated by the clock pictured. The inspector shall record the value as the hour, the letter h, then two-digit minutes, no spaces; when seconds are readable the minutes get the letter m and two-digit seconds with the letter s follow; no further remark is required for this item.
2h29m11s
